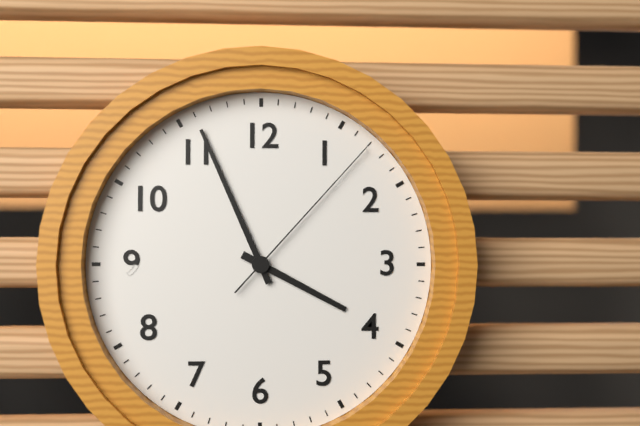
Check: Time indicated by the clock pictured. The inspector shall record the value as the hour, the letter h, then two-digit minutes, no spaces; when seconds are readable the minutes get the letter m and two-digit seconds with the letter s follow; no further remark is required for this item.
3h56m07s
